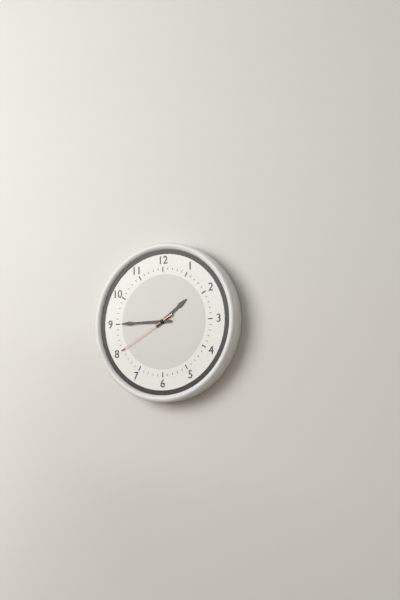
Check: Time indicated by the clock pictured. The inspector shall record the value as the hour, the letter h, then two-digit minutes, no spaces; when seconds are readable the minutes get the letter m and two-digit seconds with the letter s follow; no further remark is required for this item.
1h45m40s
